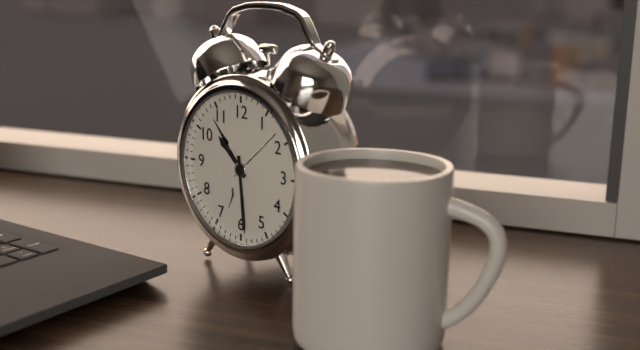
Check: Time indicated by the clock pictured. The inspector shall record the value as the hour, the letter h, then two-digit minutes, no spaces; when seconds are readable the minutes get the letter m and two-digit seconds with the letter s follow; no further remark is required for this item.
10h29
